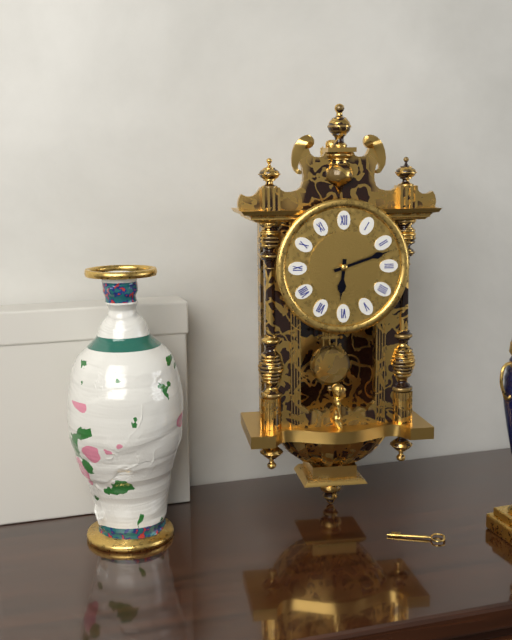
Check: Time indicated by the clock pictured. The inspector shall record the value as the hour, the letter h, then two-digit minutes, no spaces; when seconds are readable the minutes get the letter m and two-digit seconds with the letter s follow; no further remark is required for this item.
6h12
